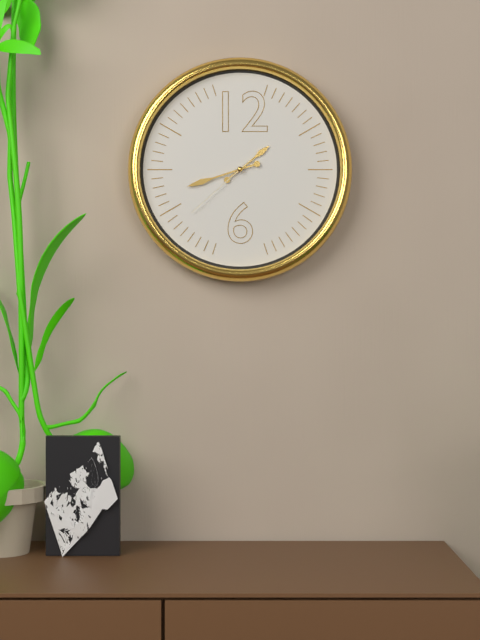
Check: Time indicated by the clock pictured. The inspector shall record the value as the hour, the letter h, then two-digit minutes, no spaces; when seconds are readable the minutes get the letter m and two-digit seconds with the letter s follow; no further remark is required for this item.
1h42m38s
